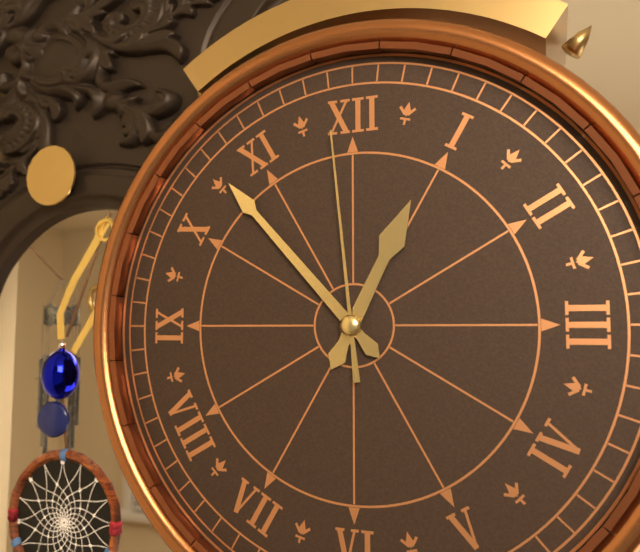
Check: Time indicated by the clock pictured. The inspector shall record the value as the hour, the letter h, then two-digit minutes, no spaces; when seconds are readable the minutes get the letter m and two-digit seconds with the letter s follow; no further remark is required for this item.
12h53m59s
